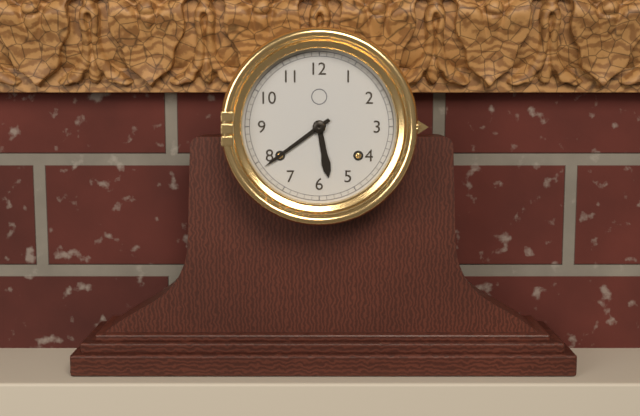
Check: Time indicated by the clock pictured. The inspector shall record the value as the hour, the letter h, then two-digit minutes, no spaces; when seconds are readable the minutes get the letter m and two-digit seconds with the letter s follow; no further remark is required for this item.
5h39
